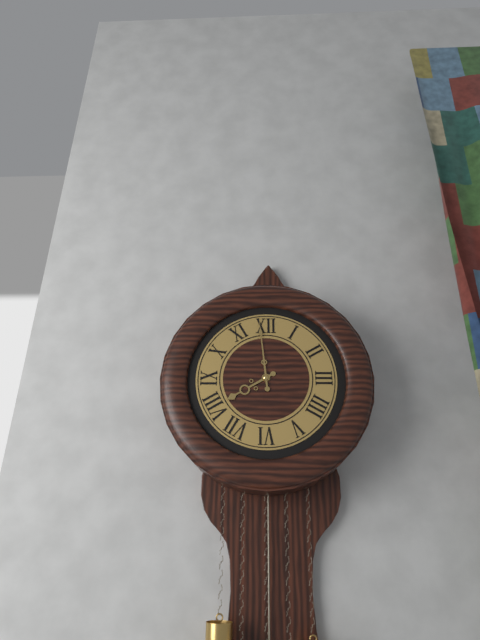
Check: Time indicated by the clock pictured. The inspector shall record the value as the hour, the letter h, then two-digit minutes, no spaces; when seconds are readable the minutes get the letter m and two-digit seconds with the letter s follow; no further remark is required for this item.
7h59
